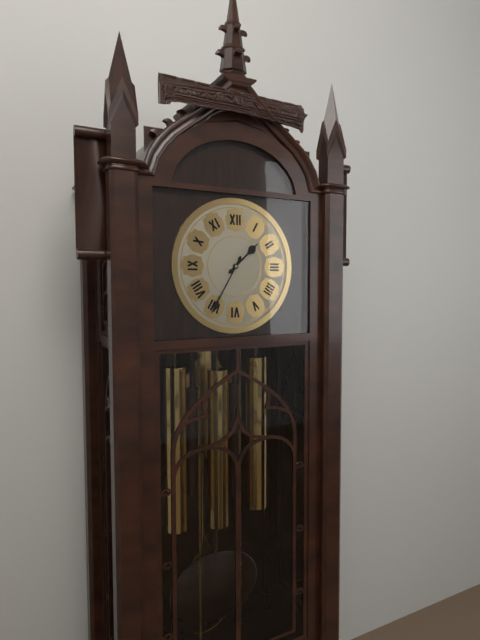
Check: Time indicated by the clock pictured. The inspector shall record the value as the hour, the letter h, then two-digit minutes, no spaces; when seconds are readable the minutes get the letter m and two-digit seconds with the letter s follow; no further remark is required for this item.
1h35
